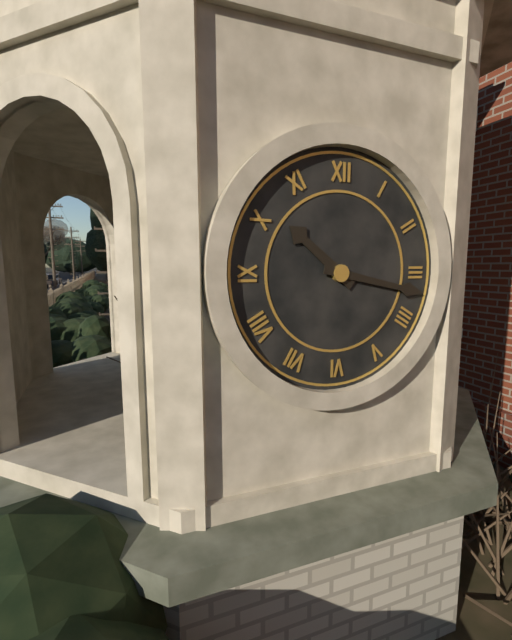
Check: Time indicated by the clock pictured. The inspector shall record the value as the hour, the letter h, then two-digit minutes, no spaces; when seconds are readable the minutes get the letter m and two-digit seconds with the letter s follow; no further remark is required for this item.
10h17
